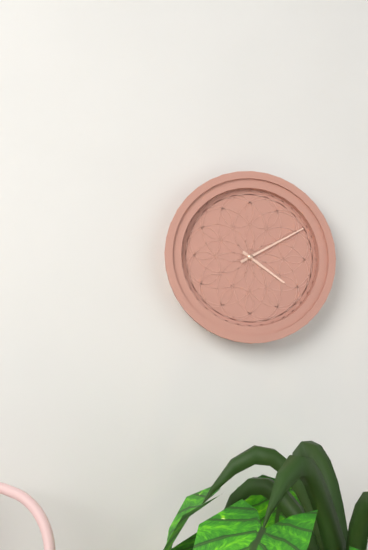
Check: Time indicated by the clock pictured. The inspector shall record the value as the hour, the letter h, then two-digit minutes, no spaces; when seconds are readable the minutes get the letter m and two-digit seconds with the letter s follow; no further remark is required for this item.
4h10
